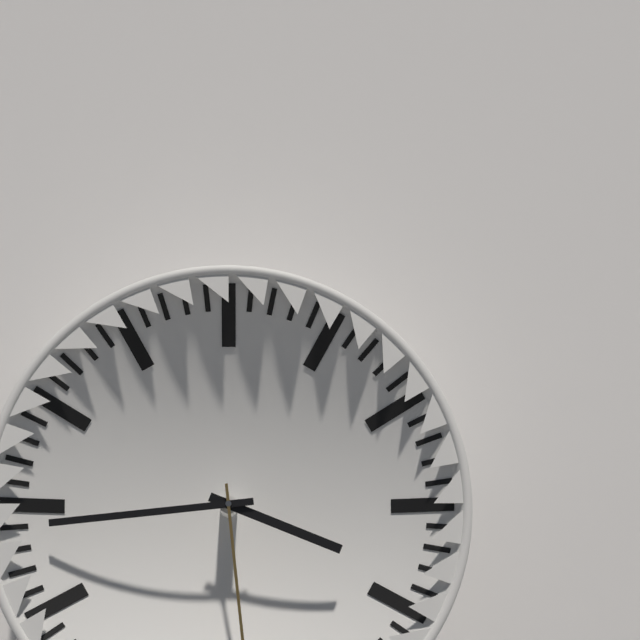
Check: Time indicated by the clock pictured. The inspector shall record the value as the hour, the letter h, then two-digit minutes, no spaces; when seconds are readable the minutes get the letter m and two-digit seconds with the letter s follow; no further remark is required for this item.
3h44
